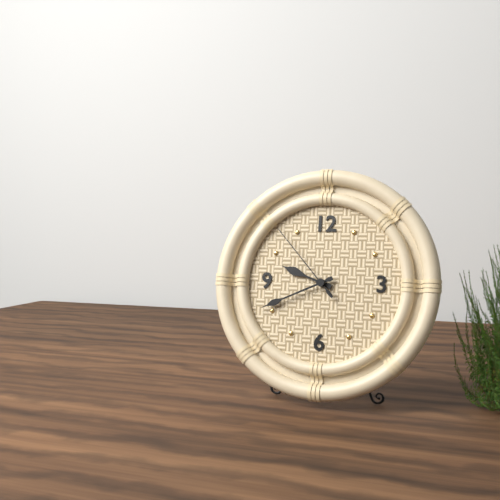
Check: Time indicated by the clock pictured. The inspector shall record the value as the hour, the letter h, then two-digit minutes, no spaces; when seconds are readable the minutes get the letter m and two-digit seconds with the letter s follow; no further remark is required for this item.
9h41m53s
